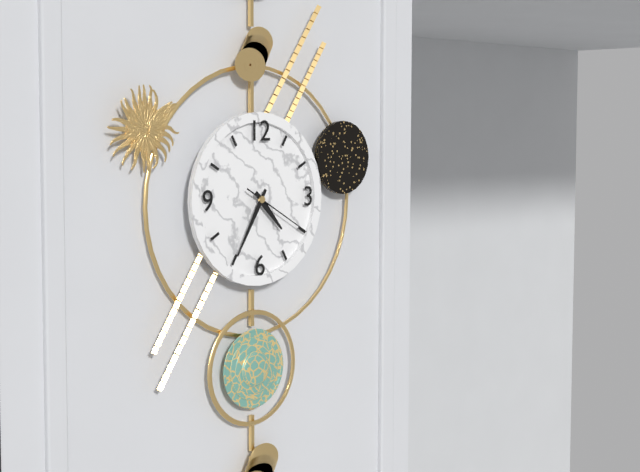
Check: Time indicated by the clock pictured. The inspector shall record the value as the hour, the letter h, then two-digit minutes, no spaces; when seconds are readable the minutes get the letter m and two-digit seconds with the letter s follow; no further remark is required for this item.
4h35m20s
